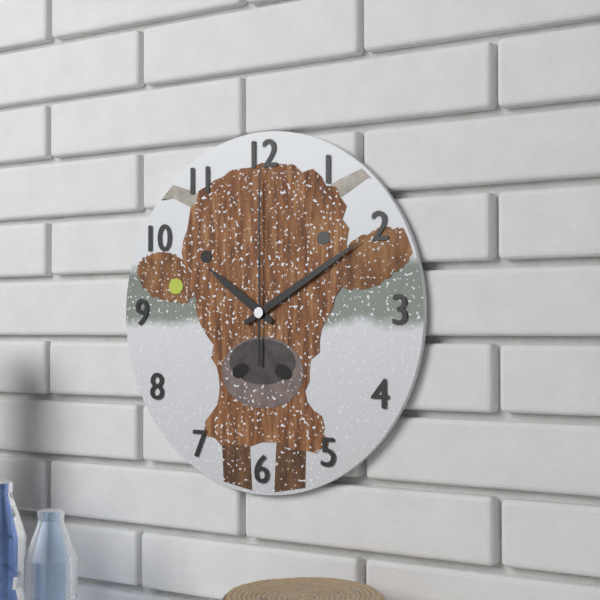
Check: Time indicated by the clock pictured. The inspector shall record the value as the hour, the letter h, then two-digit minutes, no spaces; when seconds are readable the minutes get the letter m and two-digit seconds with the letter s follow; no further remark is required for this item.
10h10m00s
